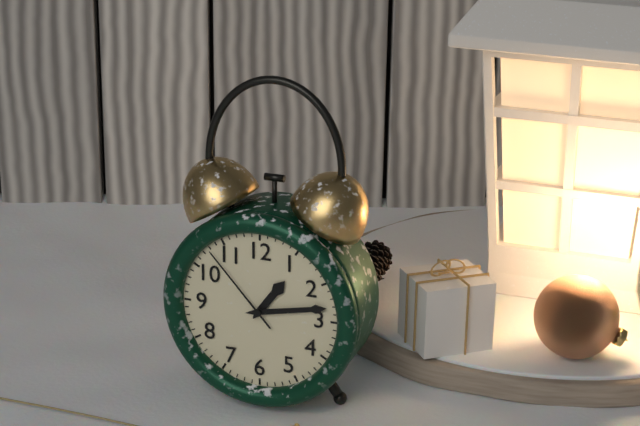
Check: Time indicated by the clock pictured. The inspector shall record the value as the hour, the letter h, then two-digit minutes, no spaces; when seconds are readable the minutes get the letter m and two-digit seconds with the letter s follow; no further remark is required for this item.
1h13m53s
